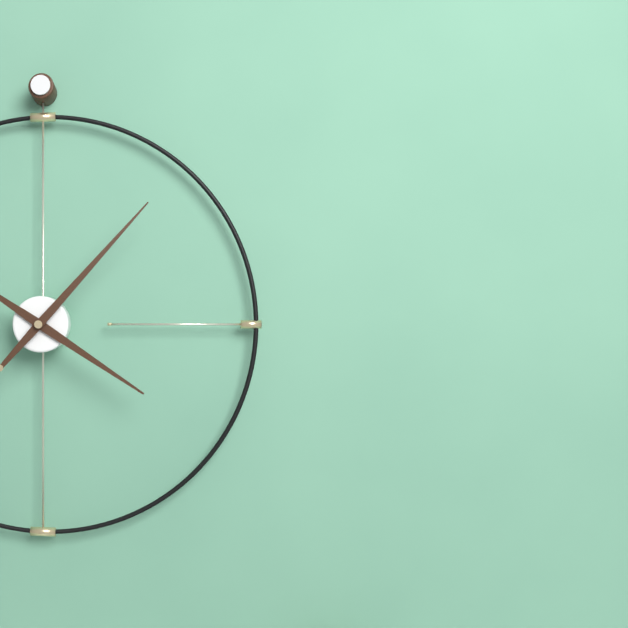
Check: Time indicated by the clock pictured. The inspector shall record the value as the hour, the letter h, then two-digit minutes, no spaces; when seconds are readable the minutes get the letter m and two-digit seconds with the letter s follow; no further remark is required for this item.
4h07
